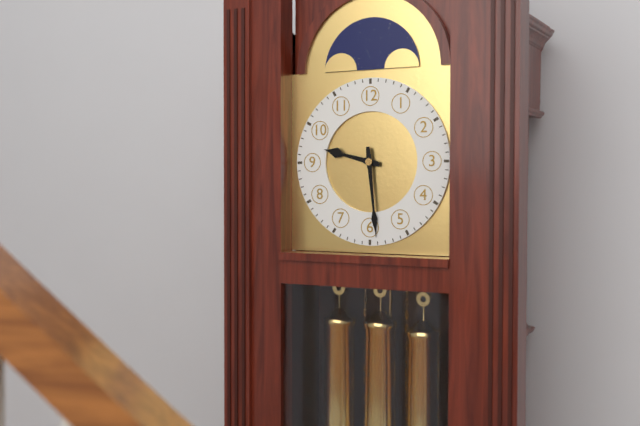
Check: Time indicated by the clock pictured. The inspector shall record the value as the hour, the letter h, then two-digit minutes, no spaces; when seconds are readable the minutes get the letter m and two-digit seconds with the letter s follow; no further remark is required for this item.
9h29
